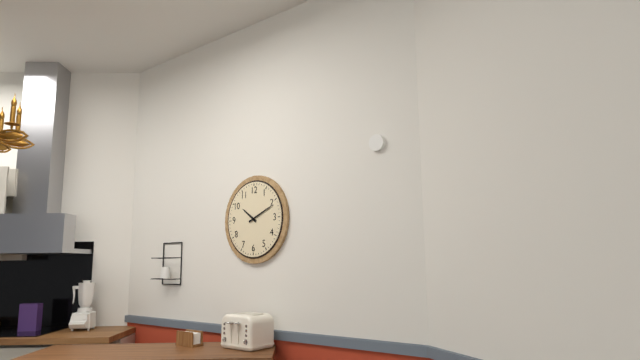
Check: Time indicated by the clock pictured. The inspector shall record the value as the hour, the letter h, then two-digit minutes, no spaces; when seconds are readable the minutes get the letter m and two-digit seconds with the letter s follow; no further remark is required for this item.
10h11
